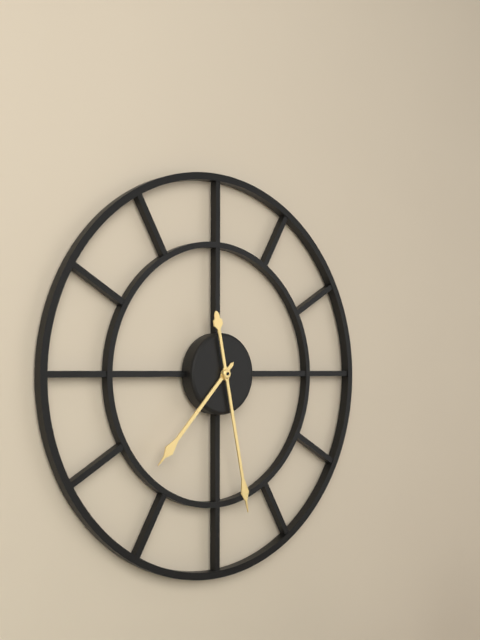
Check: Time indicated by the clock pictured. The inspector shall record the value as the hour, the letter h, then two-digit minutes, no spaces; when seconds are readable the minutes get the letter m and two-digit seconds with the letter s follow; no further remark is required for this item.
7h28
